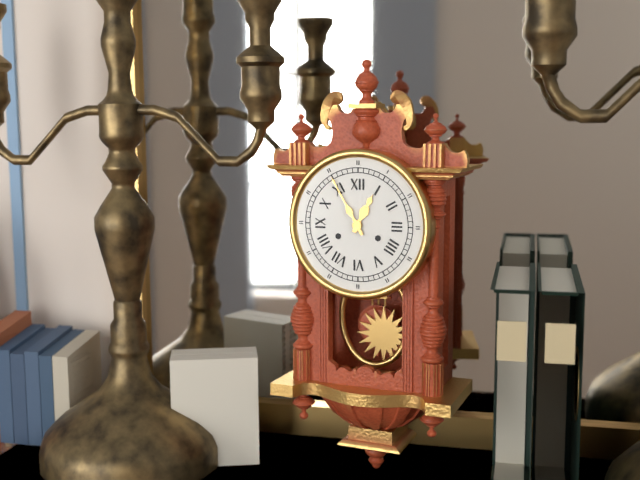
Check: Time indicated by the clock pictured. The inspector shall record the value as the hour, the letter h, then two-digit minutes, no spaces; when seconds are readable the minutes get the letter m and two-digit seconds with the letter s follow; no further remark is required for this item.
12h55
